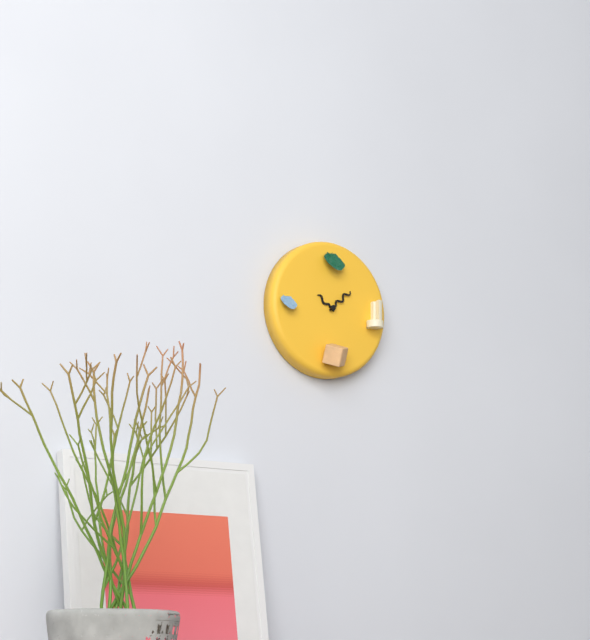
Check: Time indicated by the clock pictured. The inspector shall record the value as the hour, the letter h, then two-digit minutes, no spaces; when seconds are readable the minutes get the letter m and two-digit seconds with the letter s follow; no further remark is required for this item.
10h08
